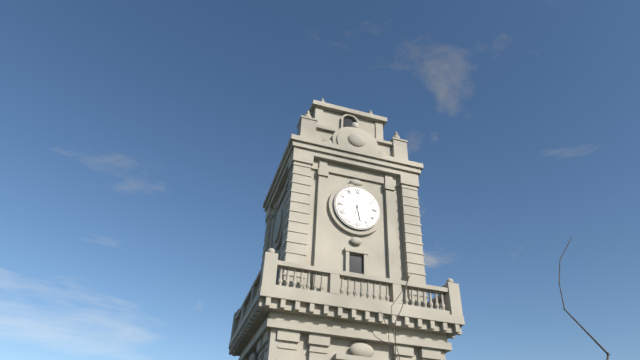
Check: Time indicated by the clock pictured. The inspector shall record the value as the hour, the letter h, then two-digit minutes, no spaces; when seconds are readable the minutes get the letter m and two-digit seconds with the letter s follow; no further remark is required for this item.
6h28
